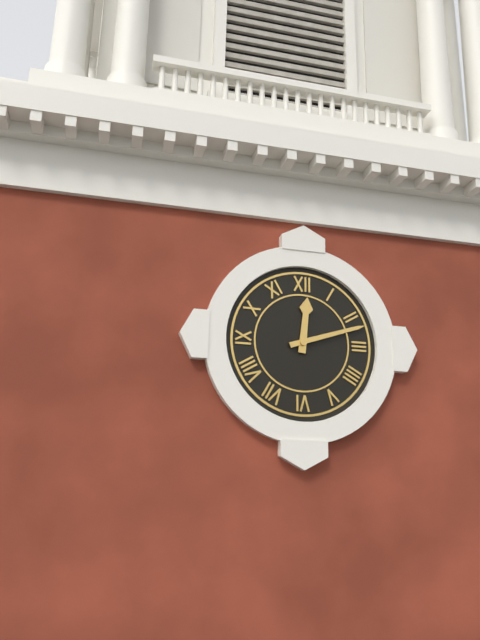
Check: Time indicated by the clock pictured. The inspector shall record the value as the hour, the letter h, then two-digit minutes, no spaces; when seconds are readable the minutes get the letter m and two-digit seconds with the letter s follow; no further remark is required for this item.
12h12
